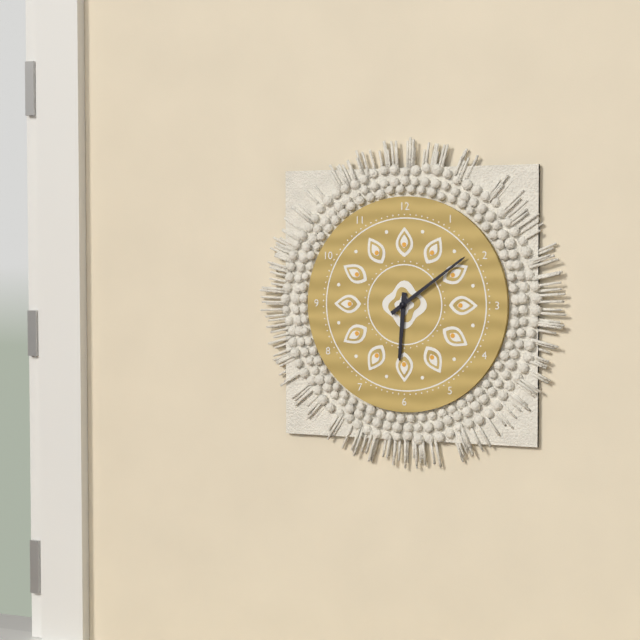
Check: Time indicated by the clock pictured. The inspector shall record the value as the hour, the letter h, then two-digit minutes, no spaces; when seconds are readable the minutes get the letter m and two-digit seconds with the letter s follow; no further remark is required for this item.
6h09
